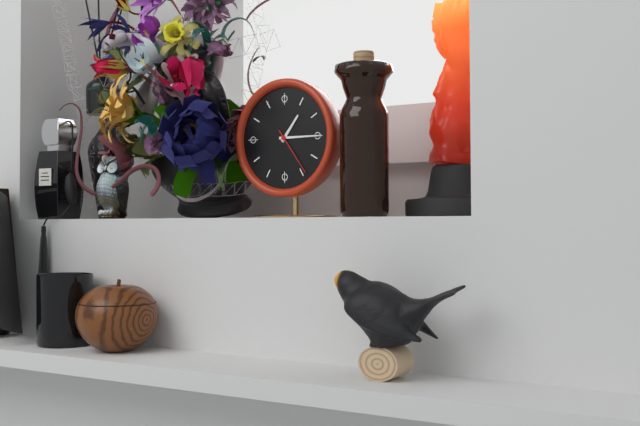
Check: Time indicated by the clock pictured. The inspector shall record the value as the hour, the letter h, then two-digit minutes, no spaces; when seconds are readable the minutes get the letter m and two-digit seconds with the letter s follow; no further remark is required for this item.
1h15m24s
